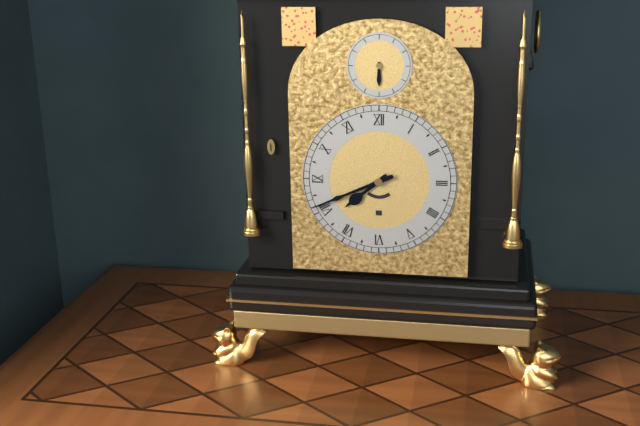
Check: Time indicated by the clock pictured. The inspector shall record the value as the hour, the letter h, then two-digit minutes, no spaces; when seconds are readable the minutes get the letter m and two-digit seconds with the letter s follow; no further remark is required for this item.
7h41
